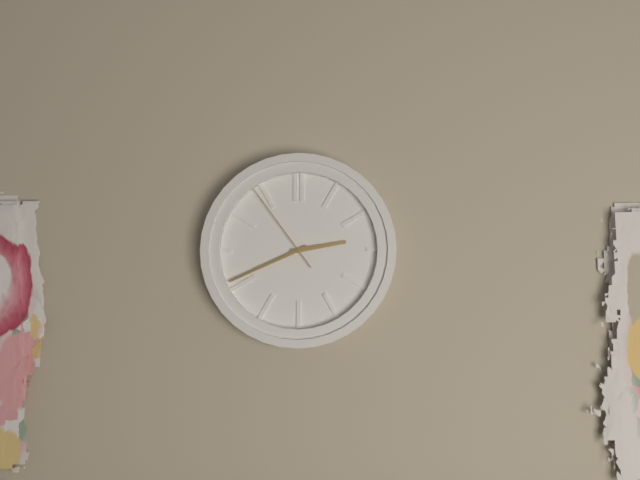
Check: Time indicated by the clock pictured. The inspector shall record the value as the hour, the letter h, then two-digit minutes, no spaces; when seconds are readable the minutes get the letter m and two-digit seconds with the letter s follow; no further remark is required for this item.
2h41m54s
